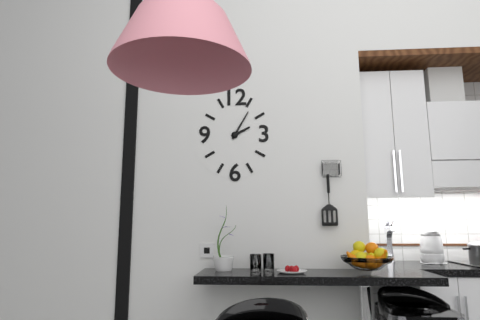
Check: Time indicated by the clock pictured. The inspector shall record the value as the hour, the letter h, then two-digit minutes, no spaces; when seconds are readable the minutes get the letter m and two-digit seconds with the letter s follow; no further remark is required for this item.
2h05
